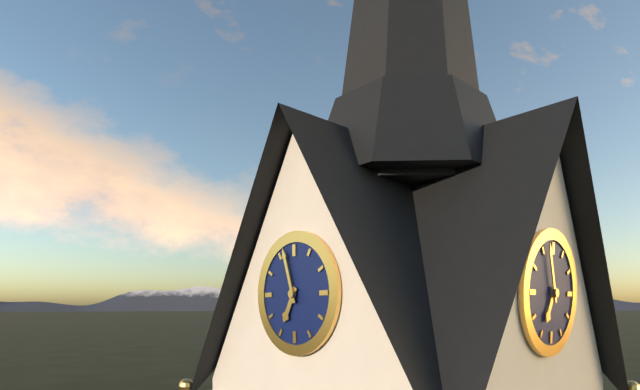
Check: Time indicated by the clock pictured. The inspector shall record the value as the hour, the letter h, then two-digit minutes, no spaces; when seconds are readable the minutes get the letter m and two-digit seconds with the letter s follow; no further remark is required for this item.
6h57
